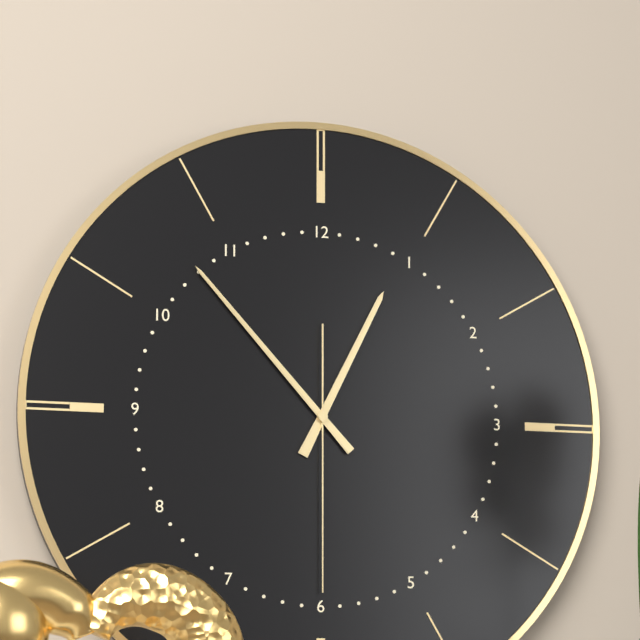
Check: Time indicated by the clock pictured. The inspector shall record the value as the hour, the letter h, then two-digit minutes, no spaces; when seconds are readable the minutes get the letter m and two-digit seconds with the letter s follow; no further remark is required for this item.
12h53m30s
